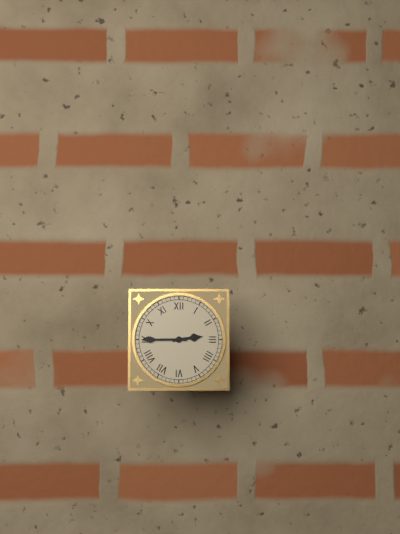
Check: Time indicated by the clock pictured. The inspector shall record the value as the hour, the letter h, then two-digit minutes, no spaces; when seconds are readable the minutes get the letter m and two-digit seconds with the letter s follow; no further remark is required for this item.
2h45
